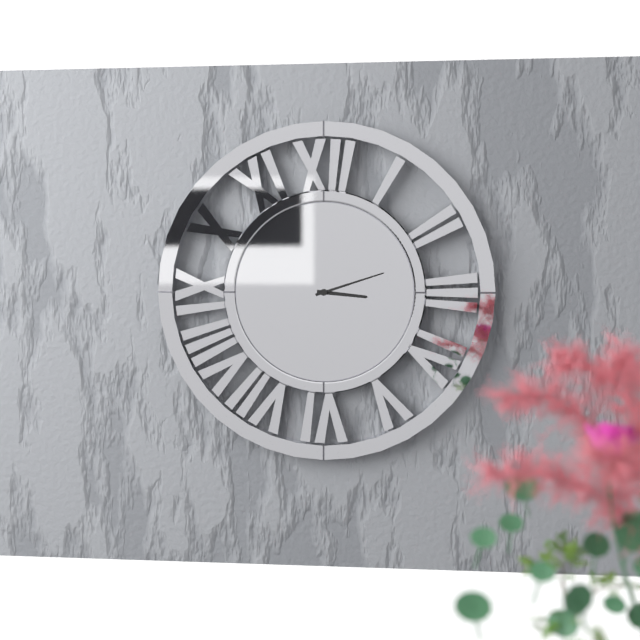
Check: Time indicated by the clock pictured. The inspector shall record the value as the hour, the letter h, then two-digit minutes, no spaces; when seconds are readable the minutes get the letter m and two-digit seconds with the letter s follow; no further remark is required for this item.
3h12
